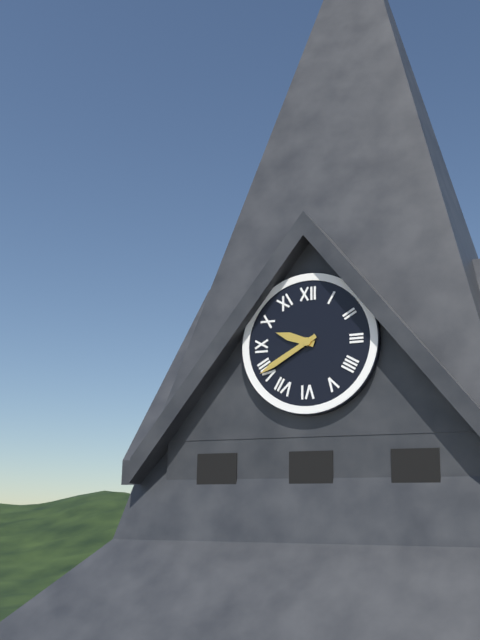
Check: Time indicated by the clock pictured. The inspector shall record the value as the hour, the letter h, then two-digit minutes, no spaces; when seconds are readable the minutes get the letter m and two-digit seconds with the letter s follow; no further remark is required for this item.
9h40
